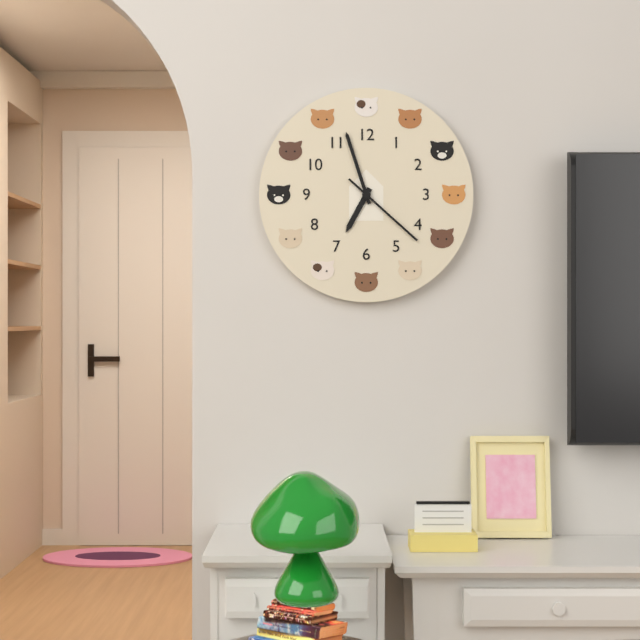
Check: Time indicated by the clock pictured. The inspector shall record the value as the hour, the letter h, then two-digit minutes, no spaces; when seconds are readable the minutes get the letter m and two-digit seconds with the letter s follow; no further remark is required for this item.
6h57m22s
